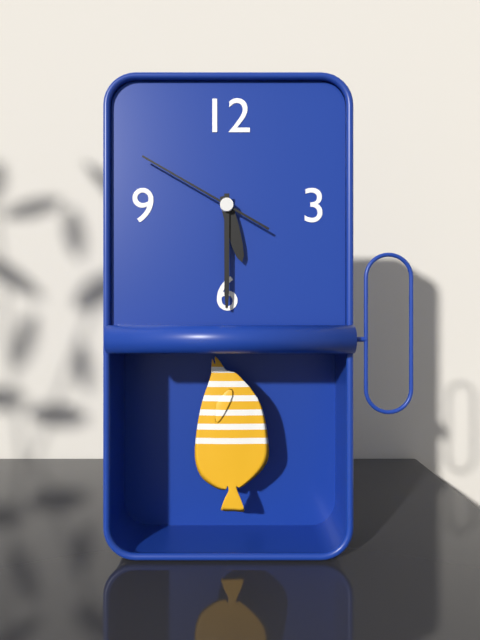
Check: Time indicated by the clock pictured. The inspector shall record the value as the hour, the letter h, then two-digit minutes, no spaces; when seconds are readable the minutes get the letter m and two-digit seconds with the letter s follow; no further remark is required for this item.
5h30m50s
